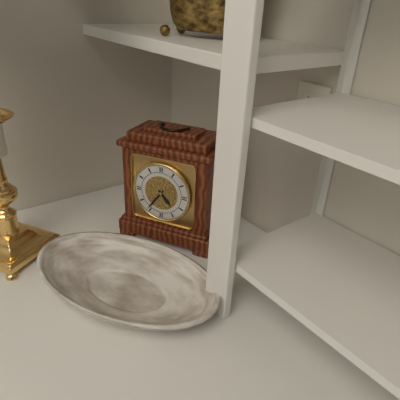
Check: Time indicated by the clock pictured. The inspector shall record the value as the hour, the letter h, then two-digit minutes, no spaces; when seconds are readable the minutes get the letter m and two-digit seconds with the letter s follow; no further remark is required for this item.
4h36
